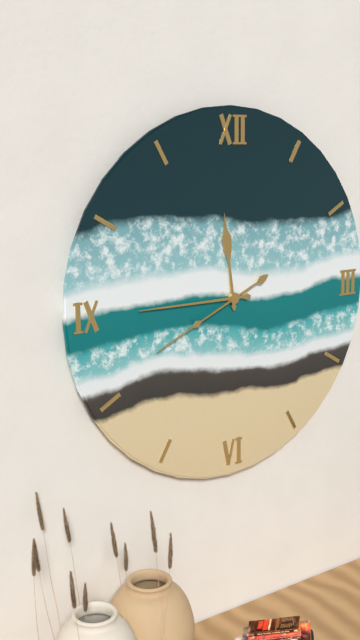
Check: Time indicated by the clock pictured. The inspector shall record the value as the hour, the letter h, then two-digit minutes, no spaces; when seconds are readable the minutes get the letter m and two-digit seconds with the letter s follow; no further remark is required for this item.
11h45m41s
